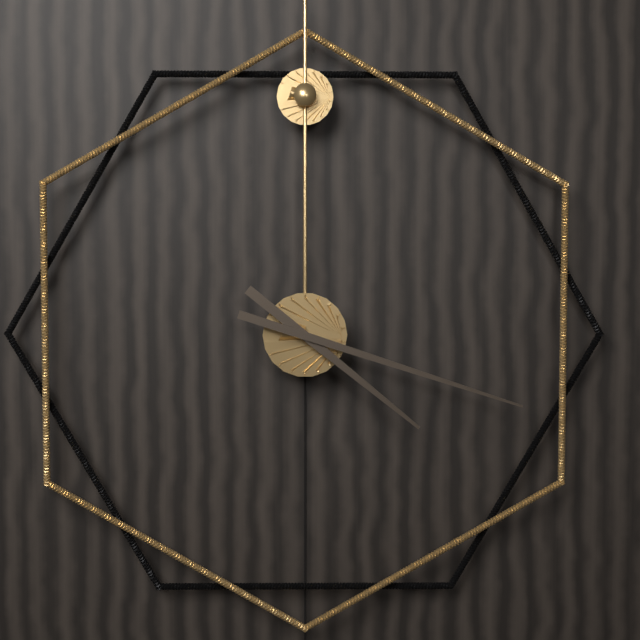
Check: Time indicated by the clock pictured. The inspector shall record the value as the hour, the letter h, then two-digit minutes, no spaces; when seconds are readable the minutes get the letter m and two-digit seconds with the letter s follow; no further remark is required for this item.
4h18
